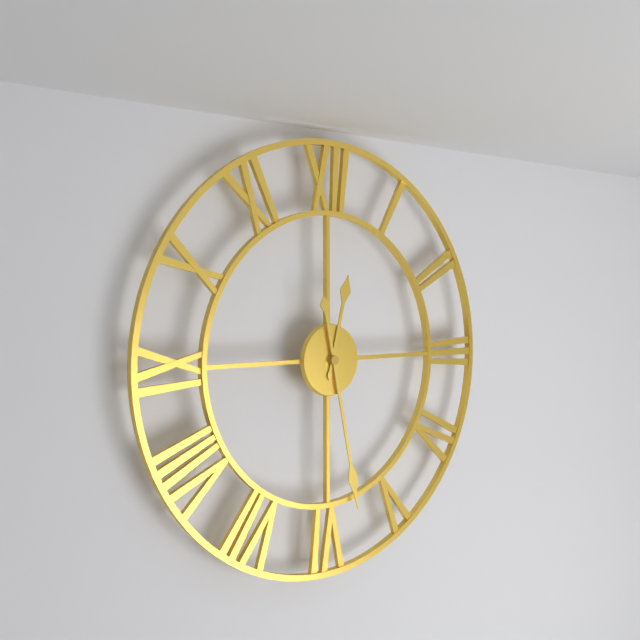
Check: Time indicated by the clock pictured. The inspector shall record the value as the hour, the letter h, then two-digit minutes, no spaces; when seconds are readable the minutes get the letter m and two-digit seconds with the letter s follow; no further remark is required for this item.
12h28
